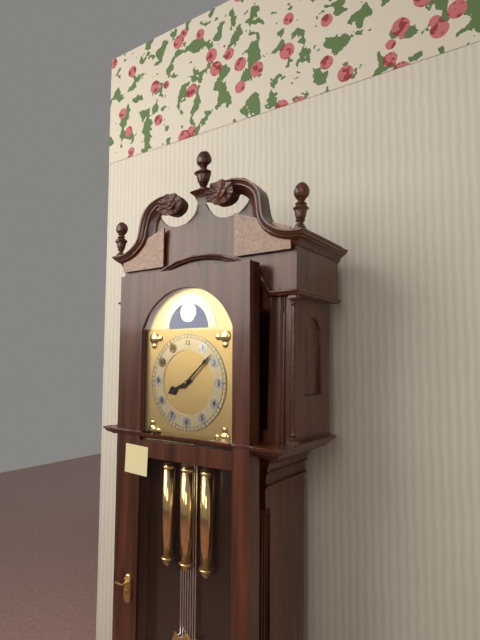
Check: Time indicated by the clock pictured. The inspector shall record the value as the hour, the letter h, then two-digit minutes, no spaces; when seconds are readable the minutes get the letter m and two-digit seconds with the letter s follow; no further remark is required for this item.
8h08
